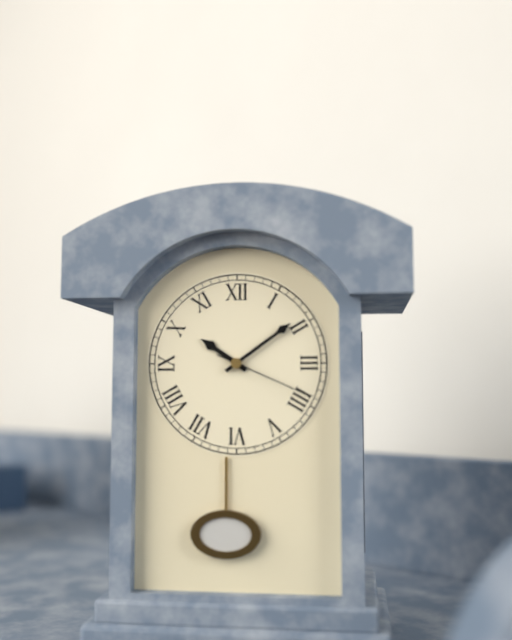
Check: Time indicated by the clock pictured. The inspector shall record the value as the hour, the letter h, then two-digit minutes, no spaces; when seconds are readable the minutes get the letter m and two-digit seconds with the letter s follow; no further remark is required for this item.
10h09m19s
